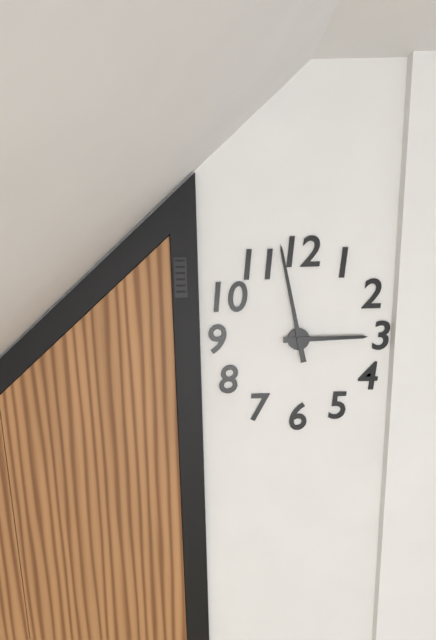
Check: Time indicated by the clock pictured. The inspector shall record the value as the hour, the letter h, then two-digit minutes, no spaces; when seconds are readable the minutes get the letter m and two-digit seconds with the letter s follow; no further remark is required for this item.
2h58
